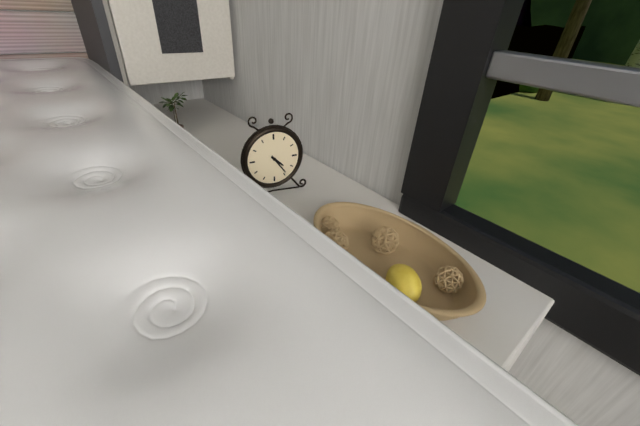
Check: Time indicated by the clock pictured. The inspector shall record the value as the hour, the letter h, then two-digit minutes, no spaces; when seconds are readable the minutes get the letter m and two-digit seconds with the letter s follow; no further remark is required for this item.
4h24
